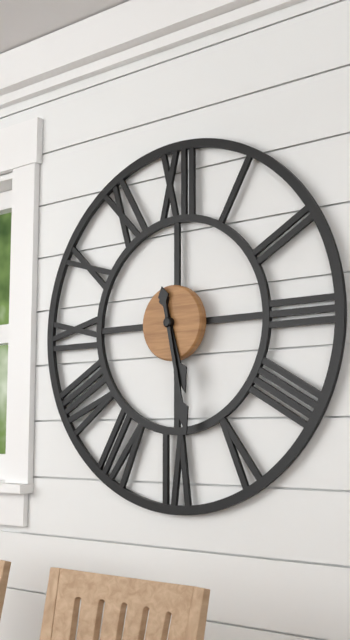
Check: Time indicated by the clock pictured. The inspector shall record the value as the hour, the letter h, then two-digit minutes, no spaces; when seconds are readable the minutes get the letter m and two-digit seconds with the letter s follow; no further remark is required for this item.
5h28
